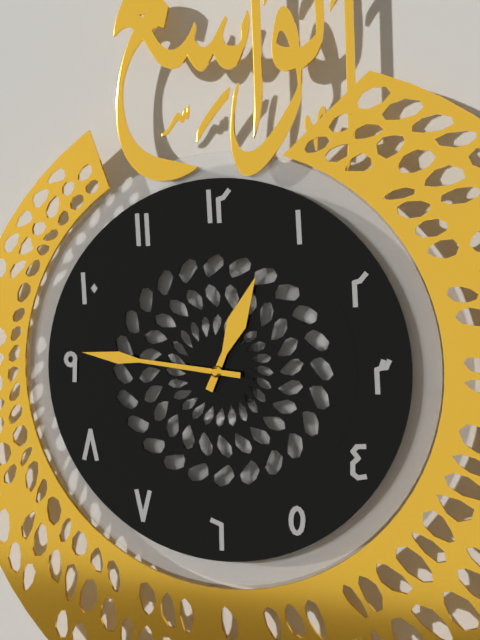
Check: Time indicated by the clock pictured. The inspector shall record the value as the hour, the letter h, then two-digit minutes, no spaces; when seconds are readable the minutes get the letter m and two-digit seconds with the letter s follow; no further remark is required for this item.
12h46
